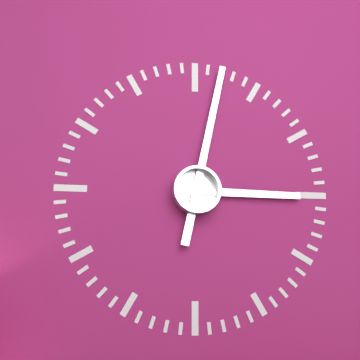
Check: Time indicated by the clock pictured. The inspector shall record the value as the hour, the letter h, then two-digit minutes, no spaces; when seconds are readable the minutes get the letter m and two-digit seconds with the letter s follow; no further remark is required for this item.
3h02
